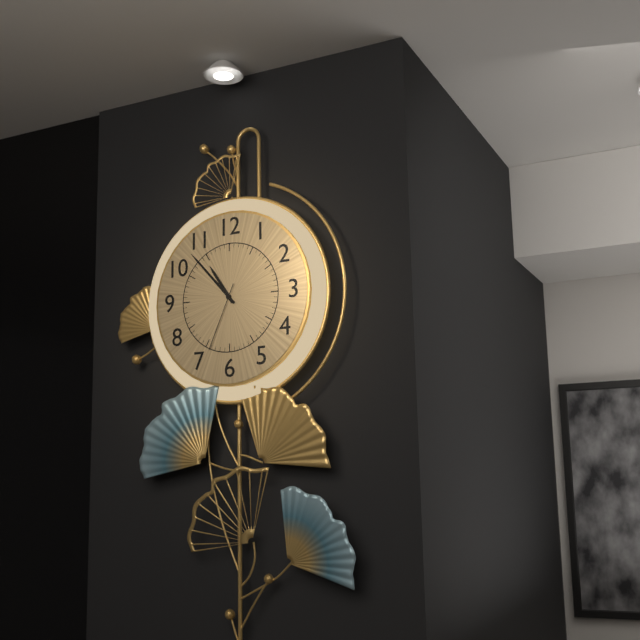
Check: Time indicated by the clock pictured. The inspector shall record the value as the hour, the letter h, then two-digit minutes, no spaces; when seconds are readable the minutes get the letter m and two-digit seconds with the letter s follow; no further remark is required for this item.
10h53m34s
